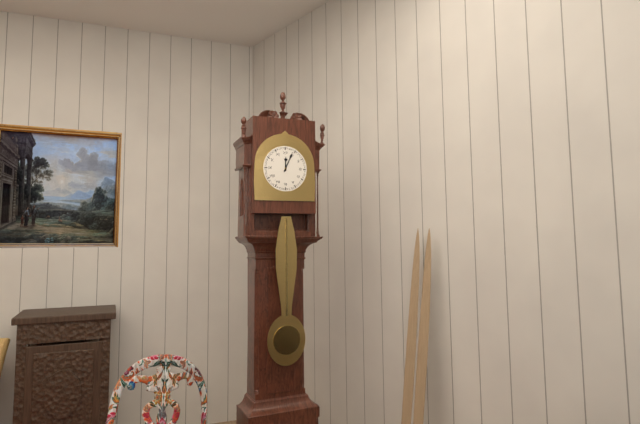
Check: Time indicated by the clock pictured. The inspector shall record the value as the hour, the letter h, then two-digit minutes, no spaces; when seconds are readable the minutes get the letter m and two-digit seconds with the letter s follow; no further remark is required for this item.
12h04
